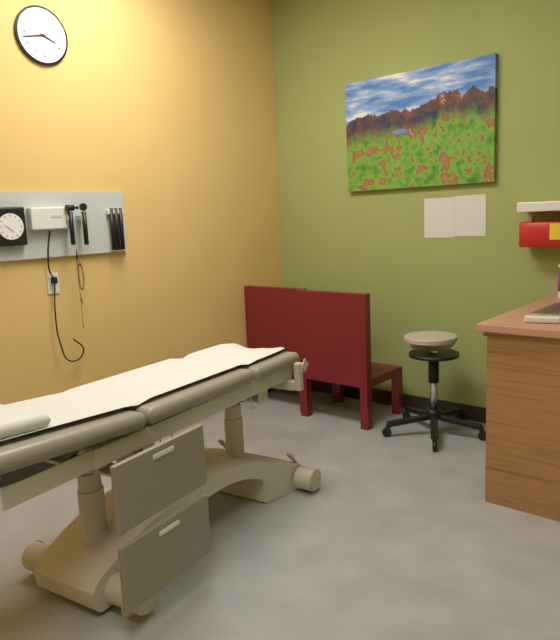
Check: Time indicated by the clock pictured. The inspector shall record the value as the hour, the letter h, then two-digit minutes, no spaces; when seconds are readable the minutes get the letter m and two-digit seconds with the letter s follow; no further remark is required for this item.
3h43
